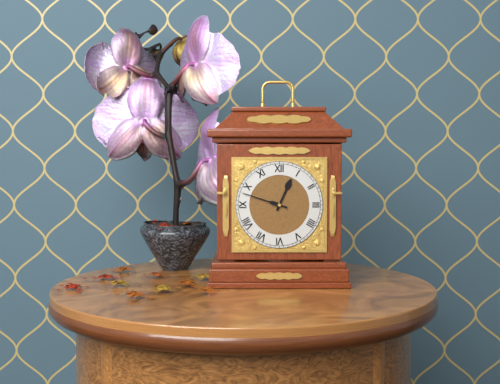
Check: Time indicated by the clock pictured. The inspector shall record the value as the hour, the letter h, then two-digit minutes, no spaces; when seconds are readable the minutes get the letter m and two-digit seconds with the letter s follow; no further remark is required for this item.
12h48
